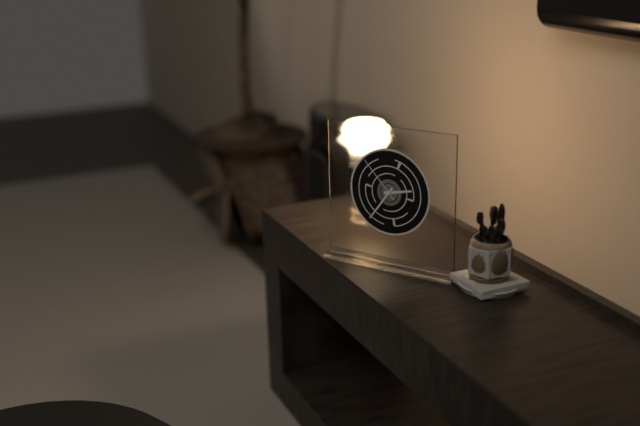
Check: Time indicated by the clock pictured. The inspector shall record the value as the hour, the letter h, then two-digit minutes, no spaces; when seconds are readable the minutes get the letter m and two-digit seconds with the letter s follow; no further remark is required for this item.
2h36m53s
